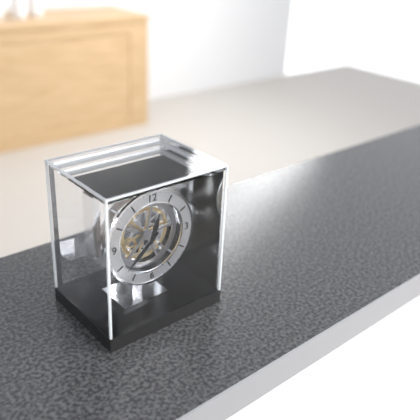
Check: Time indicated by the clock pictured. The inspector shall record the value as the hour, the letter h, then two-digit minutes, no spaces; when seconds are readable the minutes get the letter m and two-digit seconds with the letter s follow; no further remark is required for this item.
12h38
